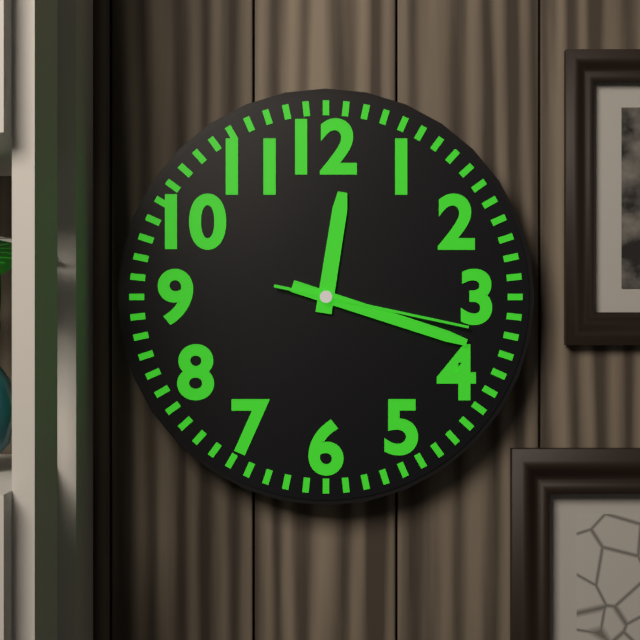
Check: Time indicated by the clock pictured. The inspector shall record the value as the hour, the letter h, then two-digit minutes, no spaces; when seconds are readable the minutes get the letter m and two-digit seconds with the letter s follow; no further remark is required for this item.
12h18m17s
